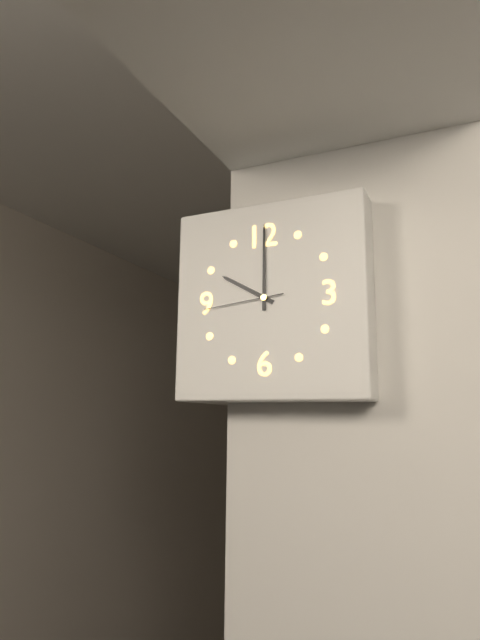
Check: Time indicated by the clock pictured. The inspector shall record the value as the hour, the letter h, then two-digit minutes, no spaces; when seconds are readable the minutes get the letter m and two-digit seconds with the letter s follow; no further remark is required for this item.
10h00m44s
